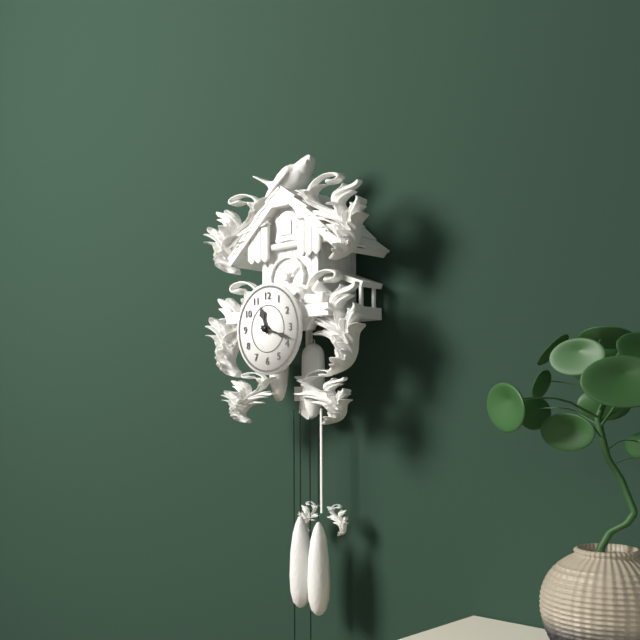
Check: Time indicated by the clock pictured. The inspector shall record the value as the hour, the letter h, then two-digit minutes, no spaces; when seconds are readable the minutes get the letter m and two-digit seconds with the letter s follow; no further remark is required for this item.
11h18
